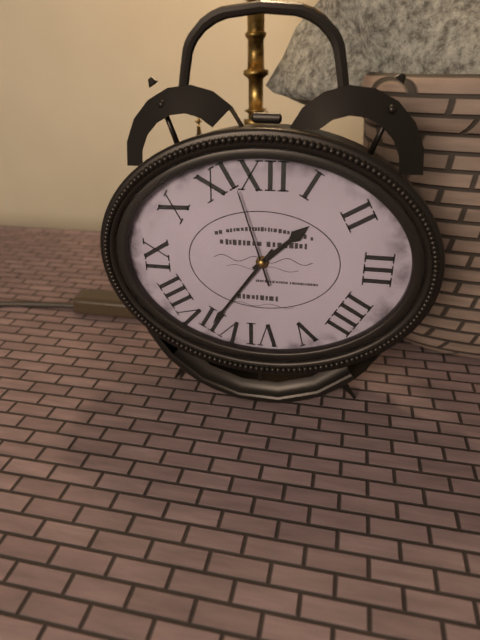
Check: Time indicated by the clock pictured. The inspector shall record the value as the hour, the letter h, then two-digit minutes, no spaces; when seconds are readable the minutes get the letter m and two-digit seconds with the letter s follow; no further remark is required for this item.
1h36m57s
